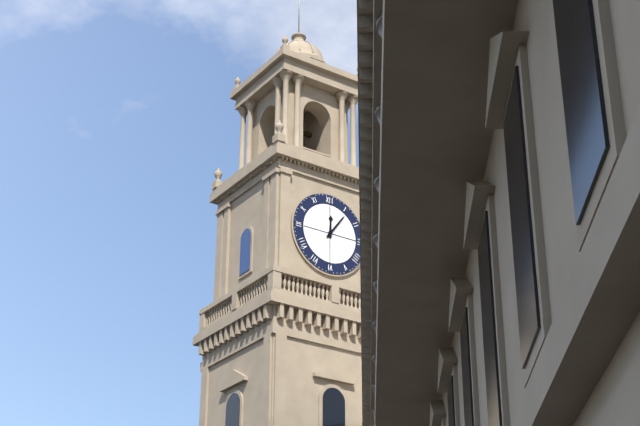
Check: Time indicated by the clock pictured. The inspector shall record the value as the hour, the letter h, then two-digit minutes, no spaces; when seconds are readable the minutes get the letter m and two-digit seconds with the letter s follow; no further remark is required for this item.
12h06
